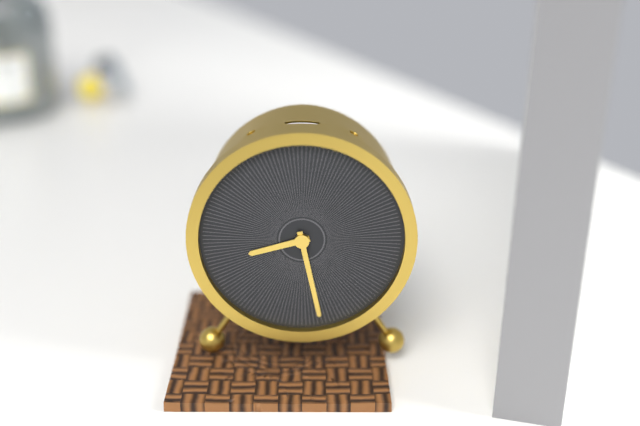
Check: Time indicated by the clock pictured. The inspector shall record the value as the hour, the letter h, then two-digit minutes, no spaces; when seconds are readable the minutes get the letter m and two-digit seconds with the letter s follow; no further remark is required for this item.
8h28
